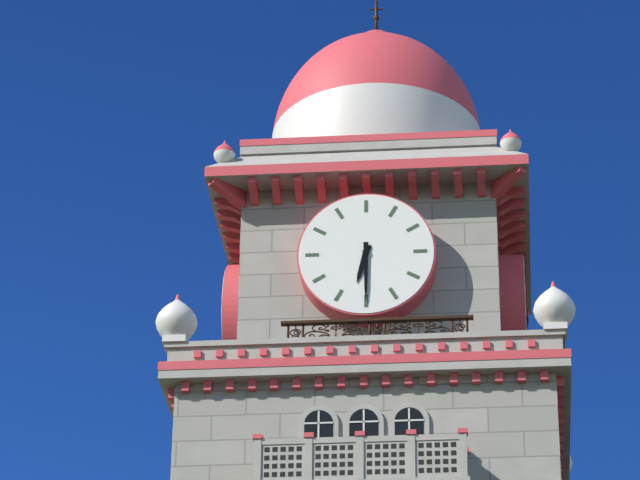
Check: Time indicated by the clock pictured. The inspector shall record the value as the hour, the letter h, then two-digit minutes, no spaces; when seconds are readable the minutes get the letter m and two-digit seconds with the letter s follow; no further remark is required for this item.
6h30
